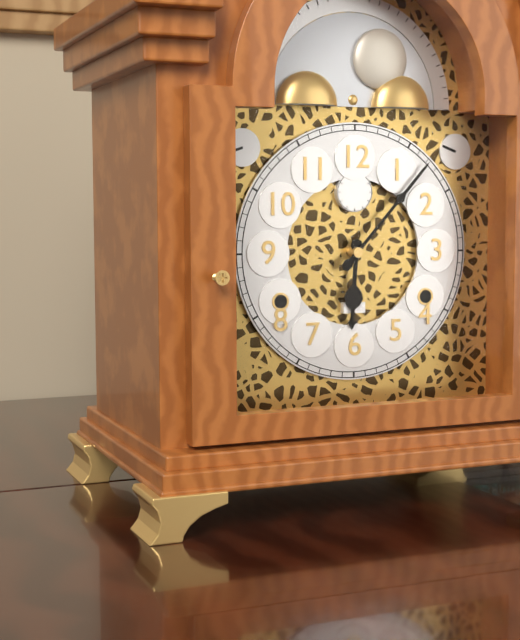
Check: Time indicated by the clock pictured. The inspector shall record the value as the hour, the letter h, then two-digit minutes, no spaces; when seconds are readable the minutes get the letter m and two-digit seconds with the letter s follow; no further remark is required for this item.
6h07
